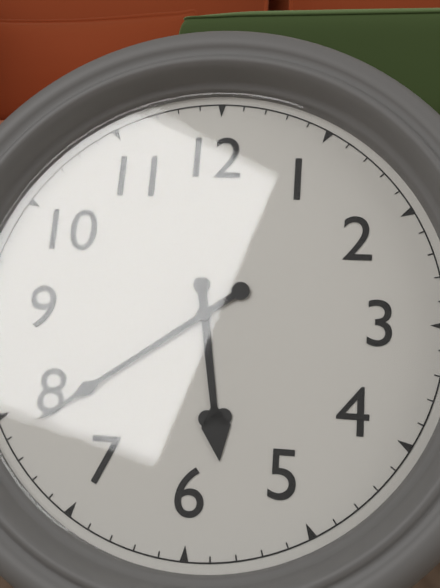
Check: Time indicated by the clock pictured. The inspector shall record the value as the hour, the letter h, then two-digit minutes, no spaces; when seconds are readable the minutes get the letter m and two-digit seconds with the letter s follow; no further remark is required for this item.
5h39
